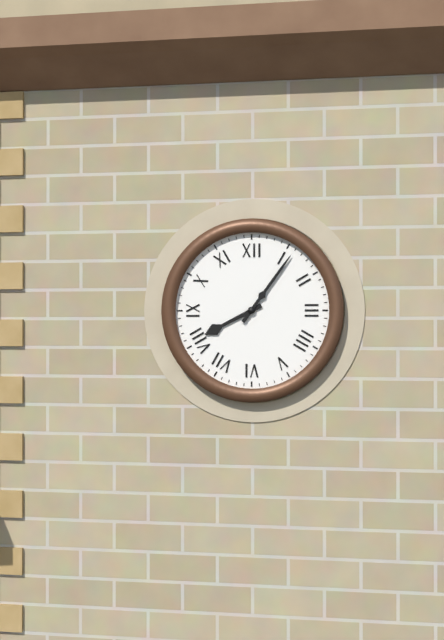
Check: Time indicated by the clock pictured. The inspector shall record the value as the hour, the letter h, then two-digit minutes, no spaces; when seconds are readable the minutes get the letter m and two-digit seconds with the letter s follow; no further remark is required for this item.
8h06
